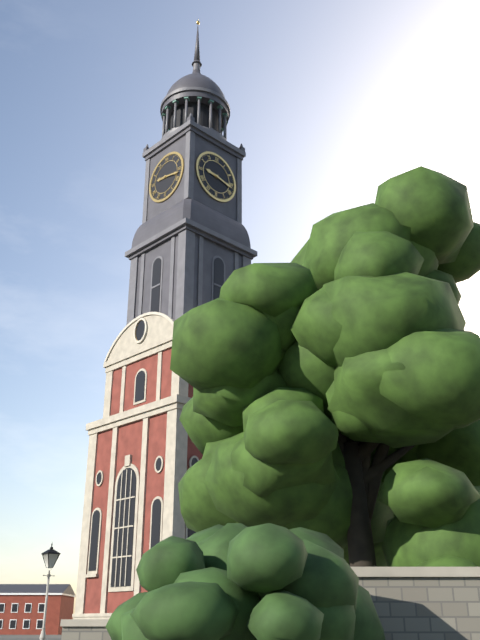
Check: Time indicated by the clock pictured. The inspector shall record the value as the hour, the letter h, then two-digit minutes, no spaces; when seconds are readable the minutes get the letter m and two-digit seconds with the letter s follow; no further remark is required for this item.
9h17
